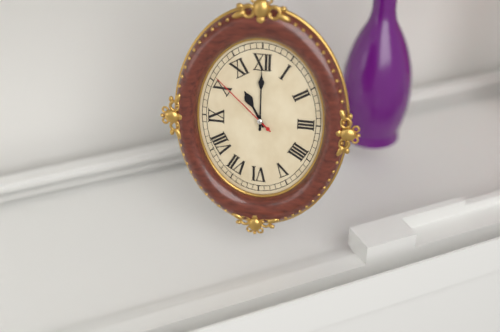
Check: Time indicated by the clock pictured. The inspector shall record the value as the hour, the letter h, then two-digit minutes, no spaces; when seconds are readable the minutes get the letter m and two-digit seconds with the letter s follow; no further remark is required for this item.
11h00m52s
